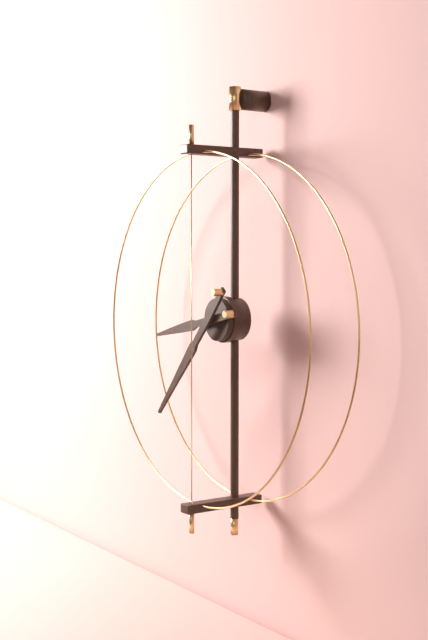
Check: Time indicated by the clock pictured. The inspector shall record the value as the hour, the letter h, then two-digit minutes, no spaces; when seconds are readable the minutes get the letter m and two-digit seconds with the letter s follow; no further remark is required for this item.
8h37
